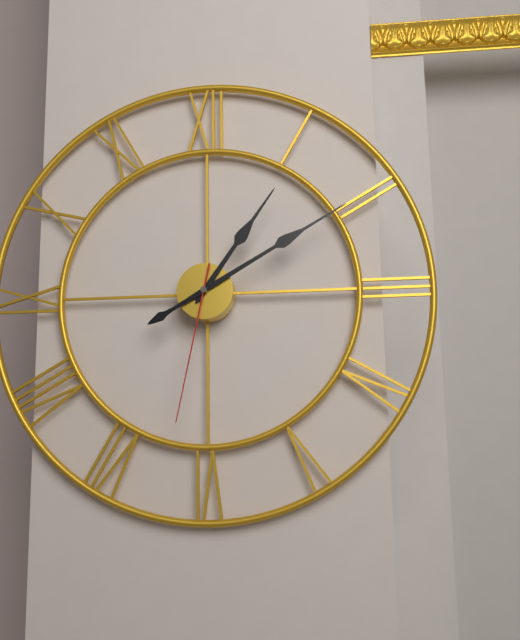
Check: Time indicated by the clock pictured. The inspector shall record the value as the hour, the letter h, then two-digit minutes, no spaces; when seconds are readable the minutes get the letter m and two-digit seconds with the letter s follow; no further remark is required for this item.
1h10m32s
